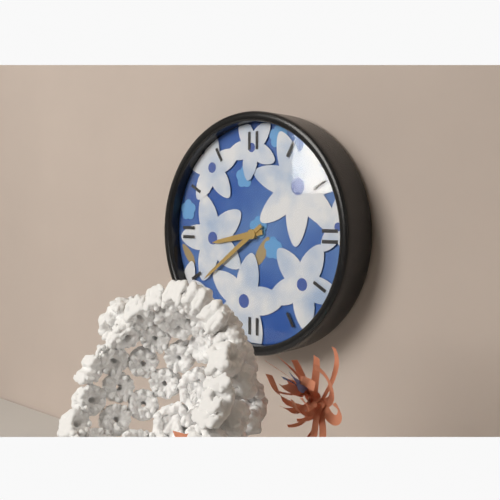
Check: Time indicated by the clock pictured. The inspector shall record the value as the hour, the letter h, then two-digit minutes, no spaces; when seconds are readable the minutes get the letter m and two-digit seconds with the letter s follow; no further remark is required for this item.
8h39
